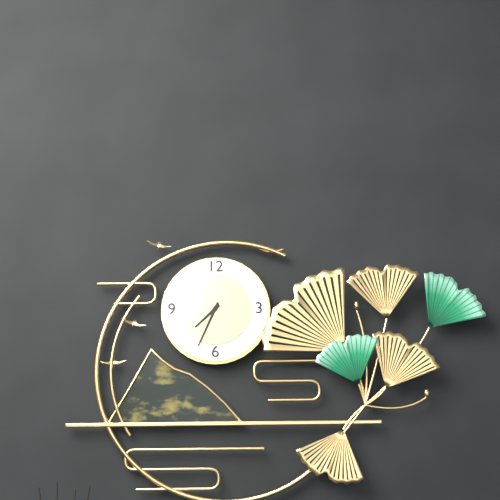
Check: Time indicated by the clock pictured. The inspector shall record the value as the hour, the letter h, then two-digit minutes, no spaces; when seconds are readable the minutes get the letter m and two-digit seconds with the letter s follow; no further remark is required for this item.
7h34
